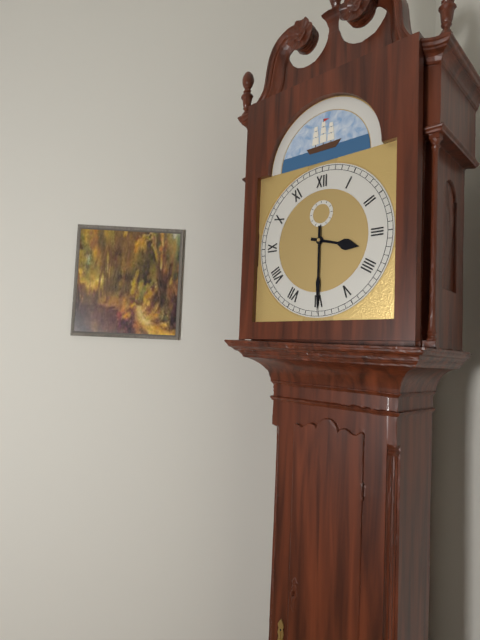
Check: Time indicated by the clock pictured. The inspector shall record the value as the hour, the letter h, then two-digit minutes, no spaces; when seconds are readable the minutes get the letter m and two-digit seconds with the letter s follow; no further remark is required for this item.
3h30
